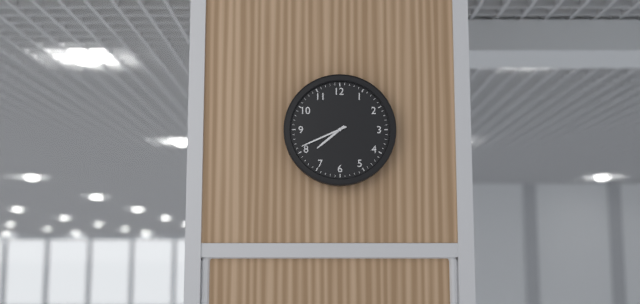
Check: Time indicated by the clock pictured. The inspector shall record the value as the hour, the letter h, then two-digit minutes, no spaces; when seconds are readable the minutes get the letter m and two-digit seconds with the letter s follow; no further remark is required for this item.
7h41
